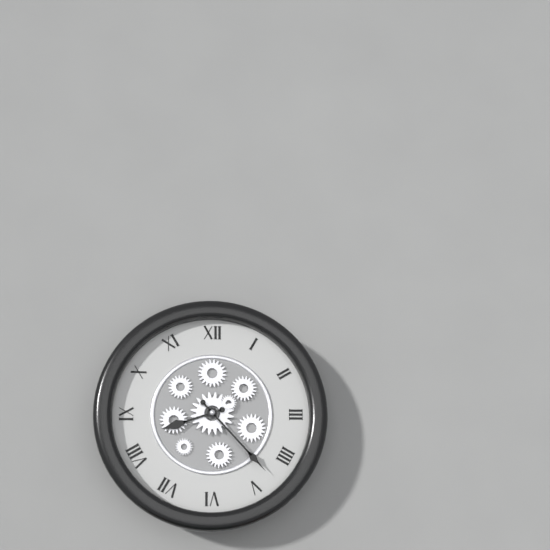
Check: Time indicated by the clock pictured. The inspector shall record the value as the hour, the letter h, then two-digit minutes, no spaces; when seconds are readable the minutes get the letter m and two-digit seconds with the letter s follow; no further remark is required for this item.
8h23
